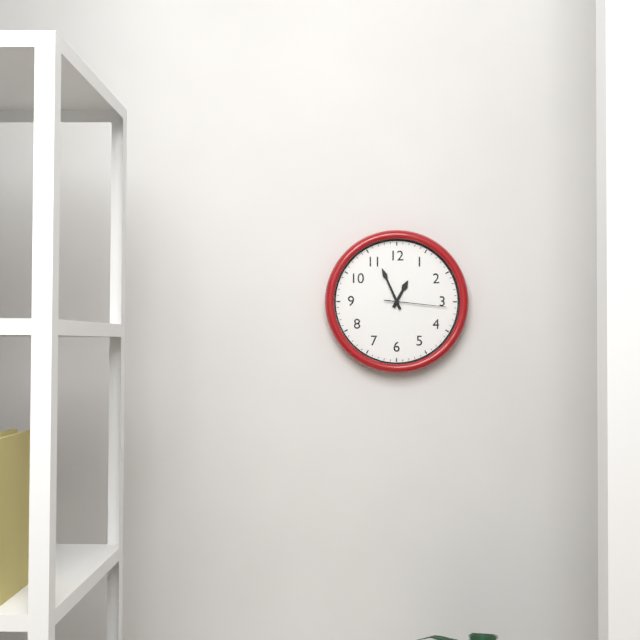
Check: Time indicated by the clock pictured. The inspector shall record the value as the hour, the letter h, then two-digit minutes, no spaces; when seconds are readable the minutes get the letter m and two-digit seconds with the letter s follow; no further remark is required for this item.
12h56m16s
